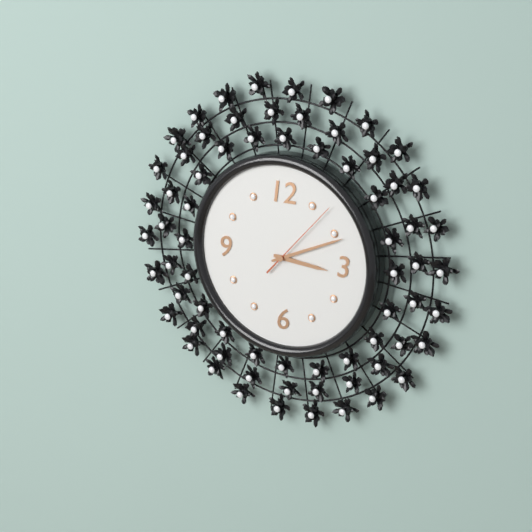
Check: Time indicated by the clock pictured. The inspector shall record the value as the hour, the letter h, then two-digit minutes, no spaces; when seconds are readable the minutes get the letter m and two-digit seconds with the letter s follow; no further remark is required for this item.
3h11m07s
